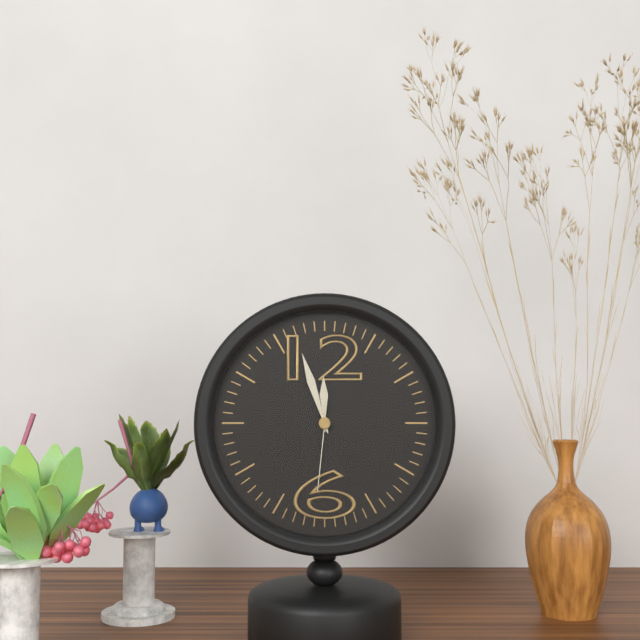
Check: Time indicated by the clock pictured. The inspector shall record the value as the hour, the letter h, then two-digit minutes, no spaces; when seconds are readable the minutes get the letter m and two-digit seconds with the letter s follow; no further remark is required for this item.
11h57m31s
